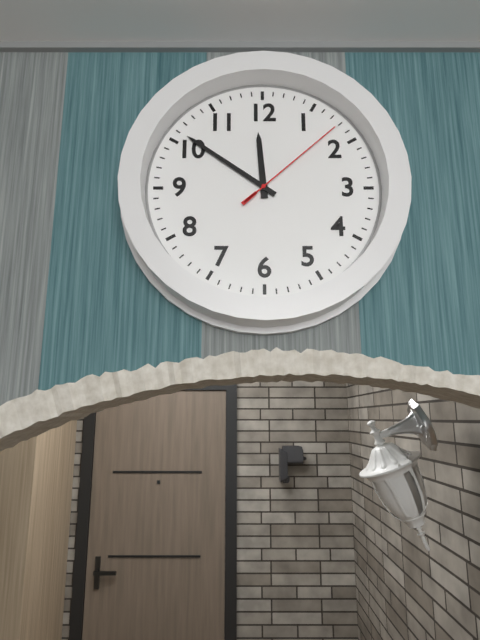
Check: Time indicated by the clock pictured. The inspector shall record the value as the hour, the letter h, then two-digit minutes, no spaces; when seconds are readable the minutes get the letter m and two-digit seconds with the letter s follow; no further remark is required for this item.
11h51m08s
